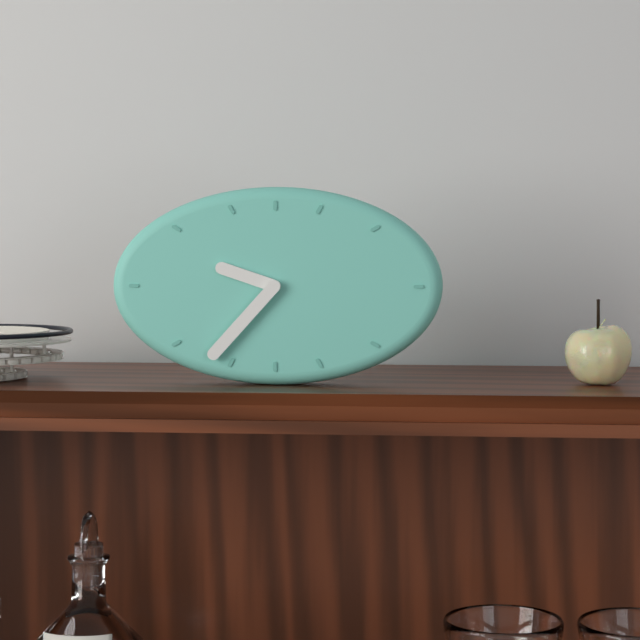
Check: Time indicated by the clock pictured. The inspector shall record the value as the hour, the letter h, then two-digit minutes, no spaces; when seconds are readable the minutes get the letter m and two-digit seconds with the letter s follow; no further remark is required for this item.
9h37
